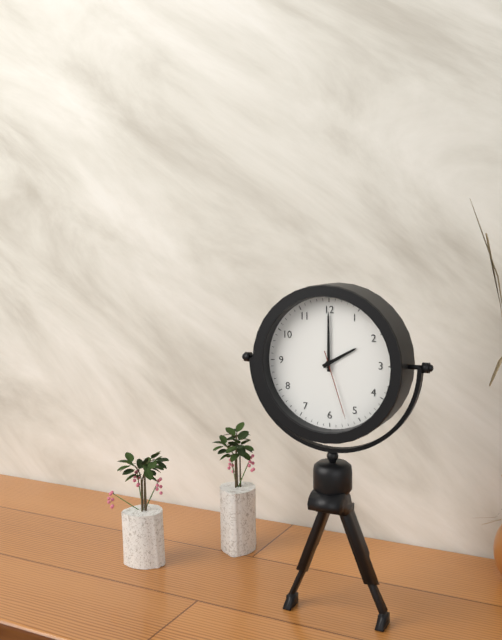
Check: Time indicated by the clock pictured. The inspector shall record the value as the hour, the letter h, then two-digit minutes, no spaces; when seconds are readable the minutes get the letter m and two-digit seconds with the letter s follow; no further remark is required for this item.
2h00m27s
